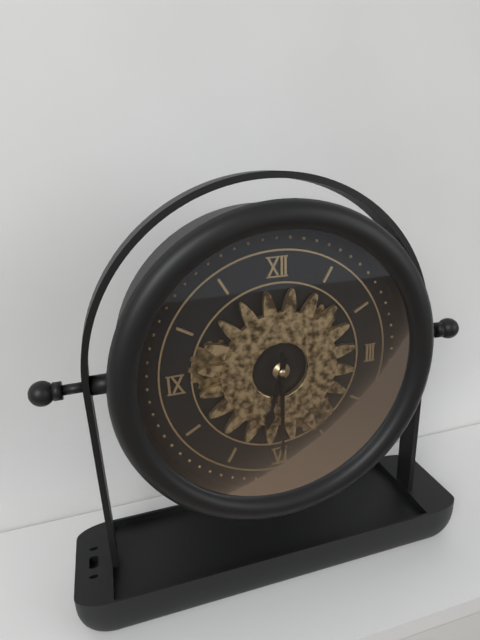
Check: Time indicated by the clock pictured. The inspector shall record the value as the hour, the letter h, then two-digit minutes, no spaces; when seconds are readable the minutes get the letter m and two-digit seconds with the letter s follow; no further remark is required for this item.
6h30
